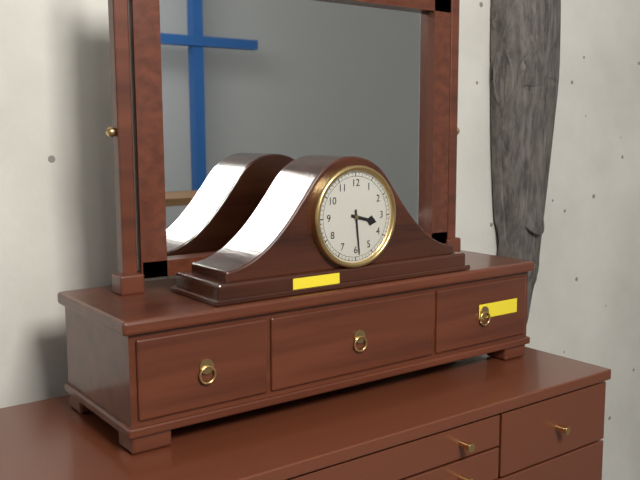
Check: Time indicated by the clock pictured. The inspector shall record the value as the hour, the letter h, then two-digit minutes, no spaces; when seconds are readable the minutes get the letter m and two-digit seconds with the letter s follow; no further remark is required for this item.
3h29
